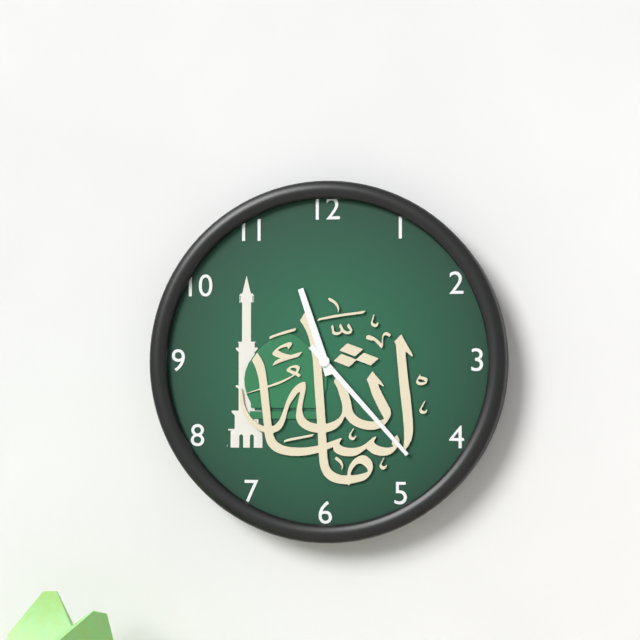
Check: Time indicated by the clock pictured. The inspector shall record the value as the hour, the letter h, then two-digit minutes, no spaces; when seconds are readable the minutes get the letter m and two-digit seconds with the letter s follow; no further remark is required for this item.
11h23
